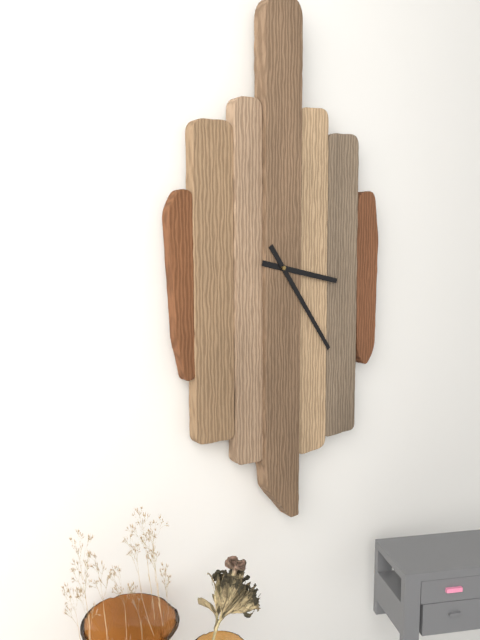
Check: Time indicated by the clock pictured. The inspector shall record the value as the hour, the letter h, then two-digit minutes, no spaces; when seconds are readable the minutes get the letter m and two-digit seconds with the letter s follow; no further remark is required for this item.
3h24
